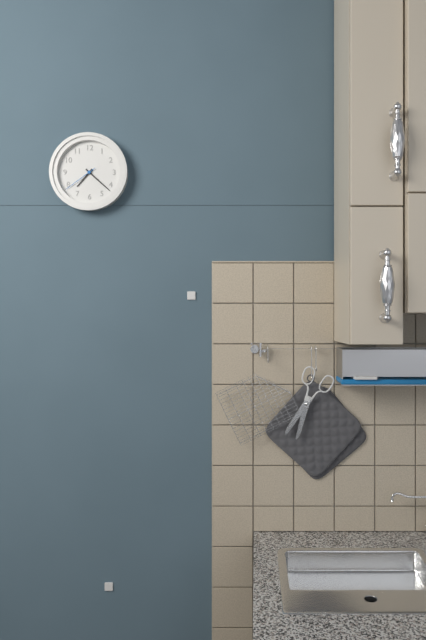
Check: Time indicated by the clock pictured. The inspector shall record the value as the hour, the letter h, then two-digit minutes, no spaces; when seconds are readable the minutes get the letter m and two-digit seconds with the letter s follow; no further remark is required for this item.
7h22
